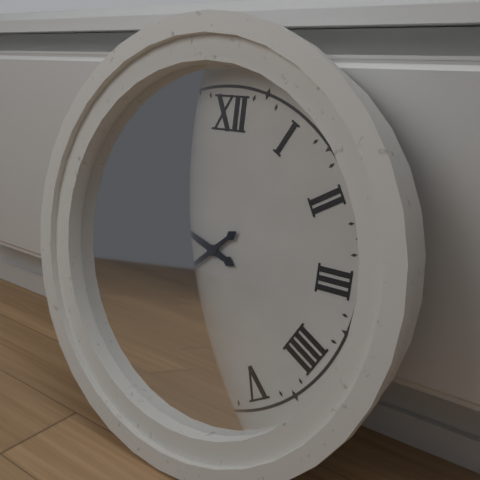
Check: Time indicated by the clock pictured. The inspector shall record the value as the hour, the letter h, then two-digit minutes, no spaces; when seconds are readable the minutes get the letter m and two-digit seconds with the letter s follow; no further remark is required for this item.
9h38
